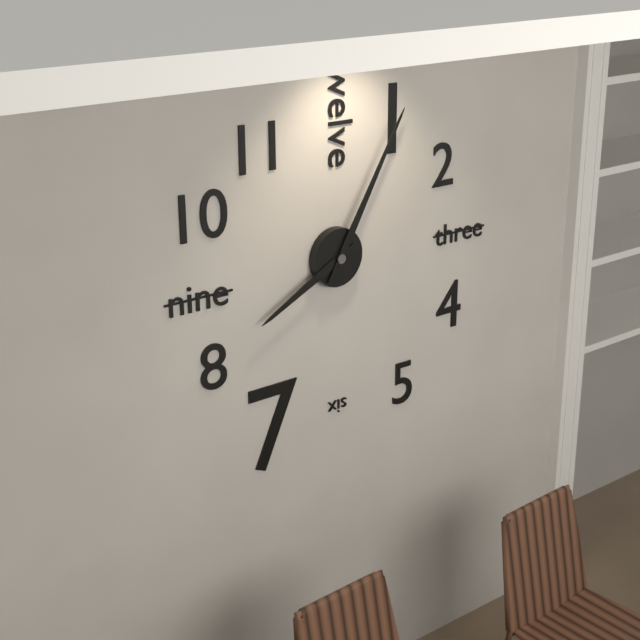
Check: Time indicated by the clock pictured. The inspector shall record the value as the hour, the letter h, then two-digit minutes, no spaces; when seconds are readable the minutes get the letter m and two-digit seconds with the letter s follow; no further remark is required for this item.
8h05
